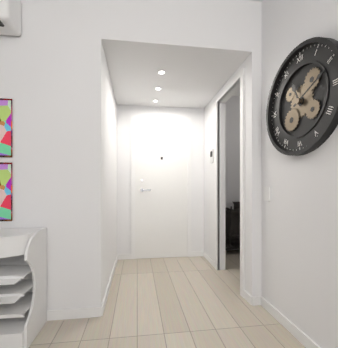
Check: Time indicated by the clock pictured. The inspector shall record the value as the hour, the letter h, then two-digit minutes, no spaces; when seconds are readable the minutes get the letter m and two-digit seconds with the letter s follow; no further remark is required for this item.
11h11
